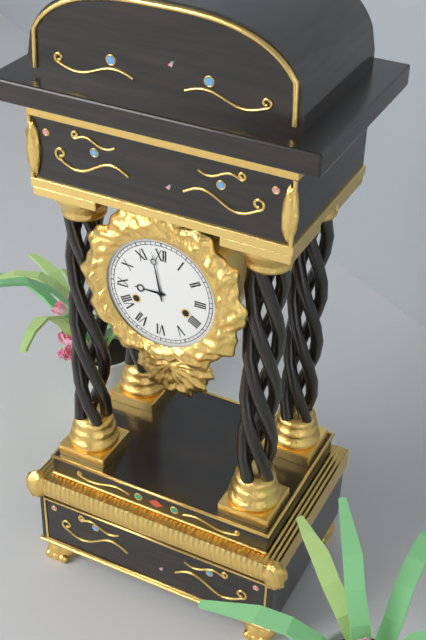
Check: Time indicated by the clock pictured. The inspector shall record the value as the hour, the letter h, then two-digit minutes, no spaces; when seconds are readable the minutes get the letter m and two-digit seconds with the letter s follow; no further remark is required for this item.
8h58
